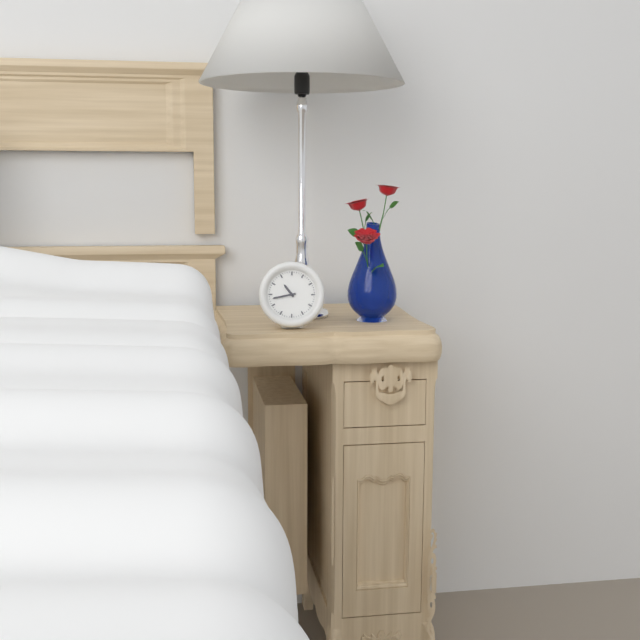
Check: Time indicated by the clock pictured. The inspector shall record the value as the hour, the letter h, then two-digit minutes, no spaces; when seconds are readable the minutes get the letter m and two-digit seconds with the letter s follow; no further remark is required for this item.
10h43
